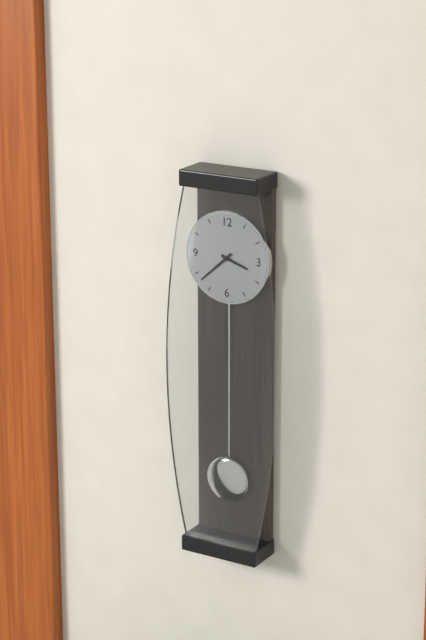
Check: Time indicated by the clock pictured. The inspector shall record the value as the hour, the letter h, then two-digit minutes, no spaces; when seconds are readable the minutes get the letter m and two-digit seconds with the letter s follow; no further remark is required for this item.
3h38
